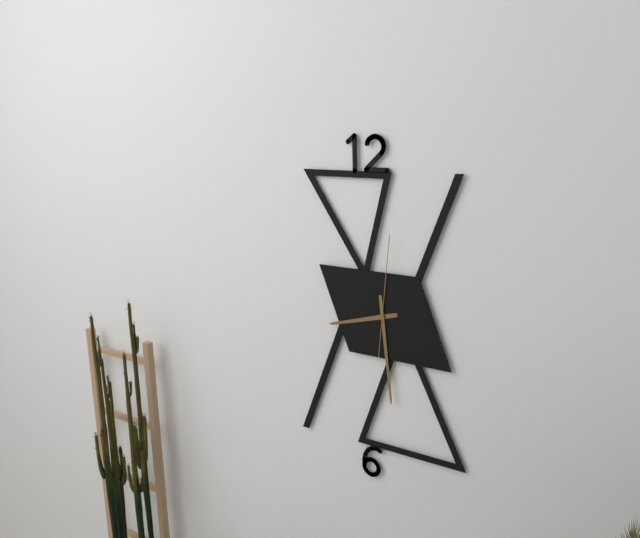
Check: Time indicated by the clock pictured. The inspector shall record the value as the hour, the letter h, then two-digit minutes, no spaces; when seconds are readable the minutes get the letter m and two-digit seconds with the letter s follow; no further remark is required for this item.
8h29m01s
